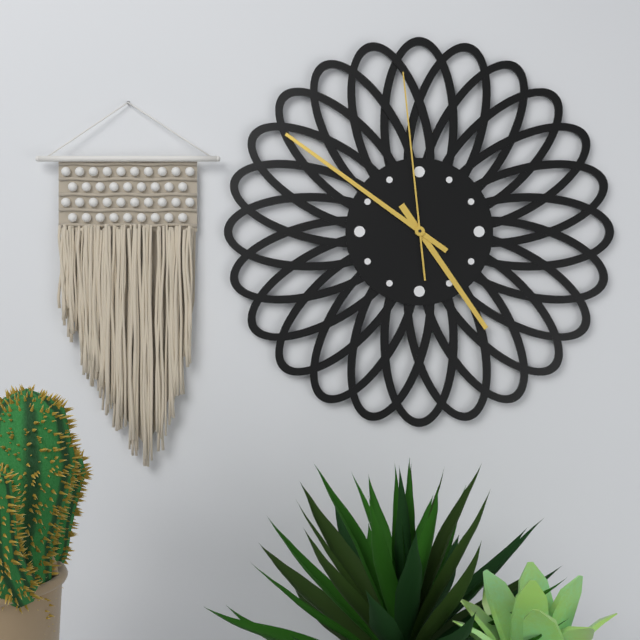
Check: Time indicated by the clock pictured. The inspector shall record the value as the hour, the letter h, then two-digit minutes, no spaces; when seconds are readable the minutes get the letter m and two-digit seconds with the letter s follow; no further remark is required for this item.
4h51m59s
